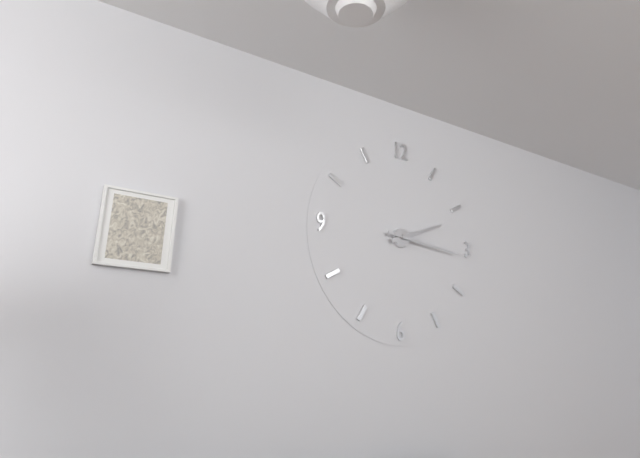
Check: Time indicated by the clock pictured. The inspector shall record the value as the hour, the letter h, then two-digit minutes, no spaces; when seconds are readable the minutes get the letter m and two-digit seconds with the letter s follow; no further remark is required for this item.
2h16
